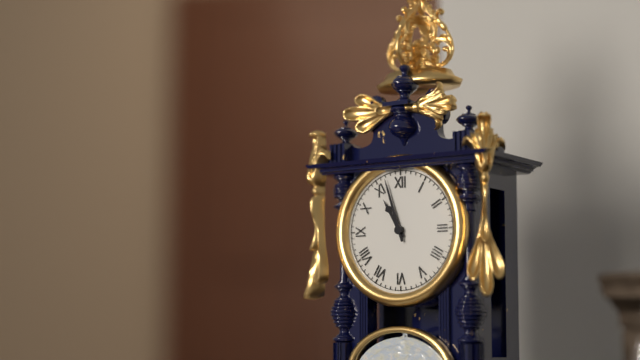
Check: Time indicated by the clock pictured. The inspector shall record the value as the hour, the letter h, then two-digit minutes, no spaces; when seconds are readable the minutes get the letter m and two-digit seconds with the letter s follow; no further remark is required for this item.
10h57
